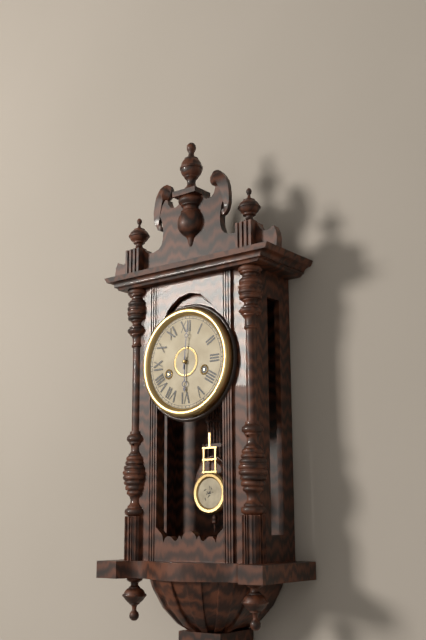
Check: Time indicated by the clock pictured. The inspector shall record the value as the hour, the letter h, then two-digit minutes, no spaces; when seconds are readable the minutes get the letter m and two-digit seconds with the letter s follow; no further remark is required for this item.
6h01
